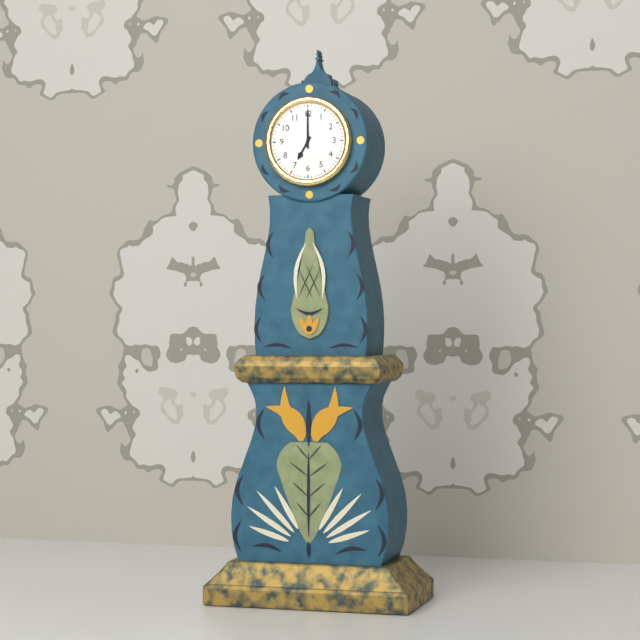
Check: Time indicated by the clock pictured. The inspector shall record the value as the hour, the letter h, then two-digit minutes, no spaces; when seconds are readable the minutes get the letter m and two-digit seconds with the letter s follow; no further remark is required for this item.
7h00
